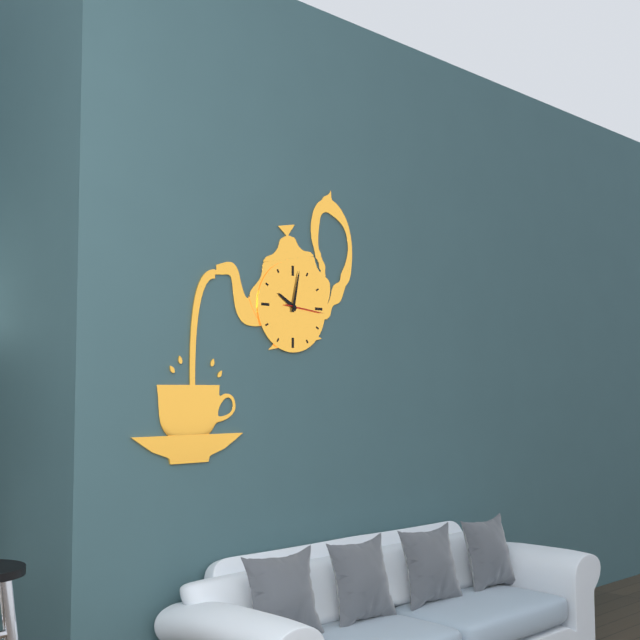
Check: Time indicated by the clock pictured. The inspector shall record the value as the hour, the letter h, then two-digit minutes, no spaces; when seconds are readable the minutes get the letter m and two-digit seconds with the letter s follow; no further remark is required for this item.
10h02
